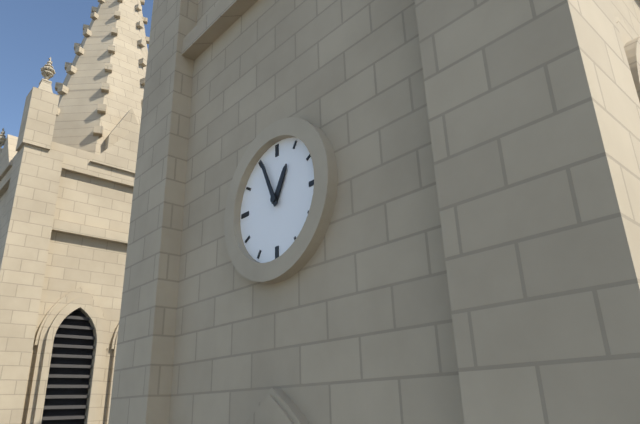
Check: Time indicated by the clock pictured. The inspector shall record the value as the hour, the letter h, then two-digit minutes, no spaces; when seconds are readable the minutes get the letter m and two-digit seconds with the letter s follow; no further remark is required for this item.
12h56
